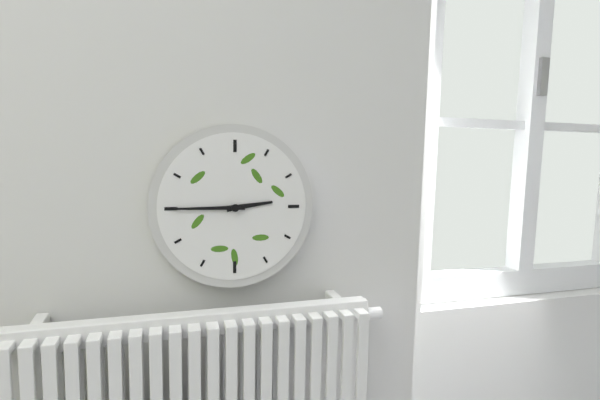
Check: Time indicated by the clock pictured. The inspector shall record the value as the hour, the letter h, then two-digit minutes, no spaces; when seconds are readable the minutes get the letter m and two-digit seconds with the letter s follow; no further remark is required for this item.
2h45
